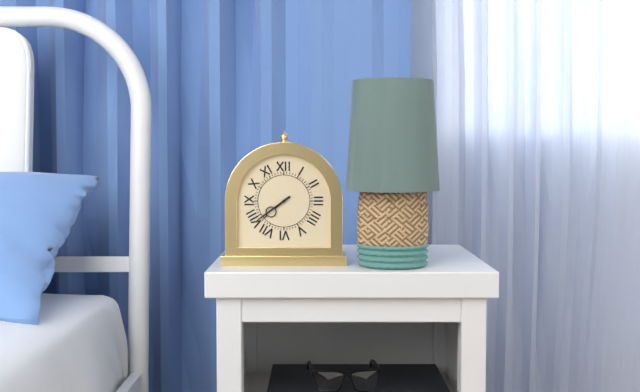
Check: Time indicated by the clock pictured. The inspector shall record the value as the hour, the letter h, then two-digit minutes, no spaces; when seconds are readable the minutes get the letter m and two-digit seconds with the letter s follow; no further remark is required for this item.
7h39
